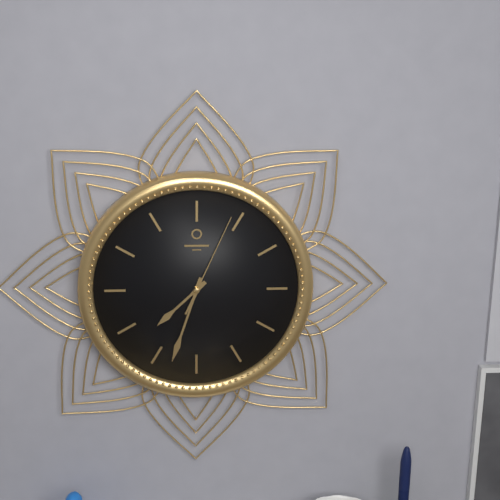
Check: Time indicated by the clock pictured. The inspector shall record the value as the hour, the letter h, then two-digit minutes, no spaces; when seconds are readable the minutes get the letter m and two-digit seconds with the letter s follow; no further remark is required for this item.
7h33m04s
